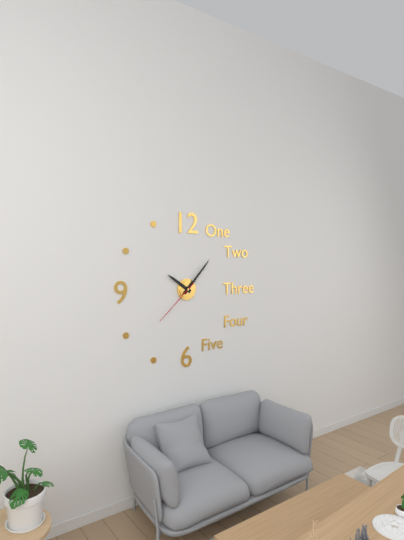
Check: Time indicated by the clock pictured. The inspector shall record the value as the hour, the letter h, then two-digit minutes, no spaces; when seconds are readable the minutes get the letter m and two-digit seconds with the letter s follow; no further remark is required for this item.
10h07m38s
